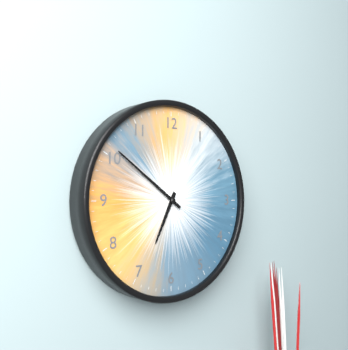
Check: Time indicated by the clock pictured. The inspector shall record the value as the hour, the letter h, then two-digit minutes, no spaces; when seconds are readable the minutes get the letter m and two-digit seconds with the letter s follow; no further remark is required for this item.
6h51
